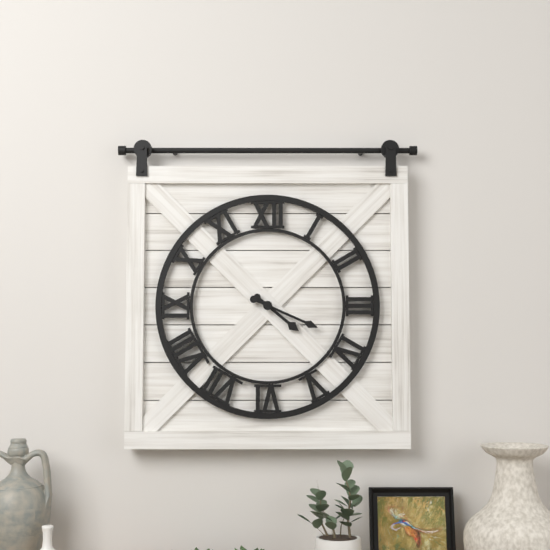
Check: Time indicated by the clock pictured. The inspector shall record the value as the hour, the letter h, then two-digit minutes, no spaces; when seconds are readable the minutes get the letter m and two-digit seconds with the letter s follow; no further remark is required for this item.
4h19
